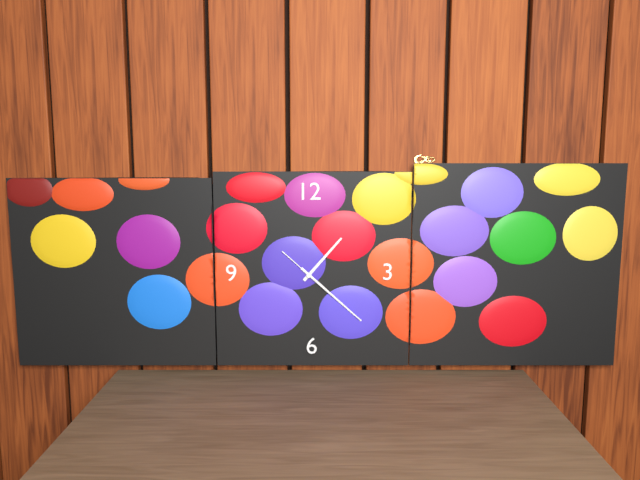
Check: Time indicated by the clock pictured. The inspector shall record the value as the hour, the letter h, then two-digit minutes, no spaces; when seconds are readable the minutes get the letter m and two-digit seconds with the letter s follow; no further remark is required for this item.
1h22m22s
